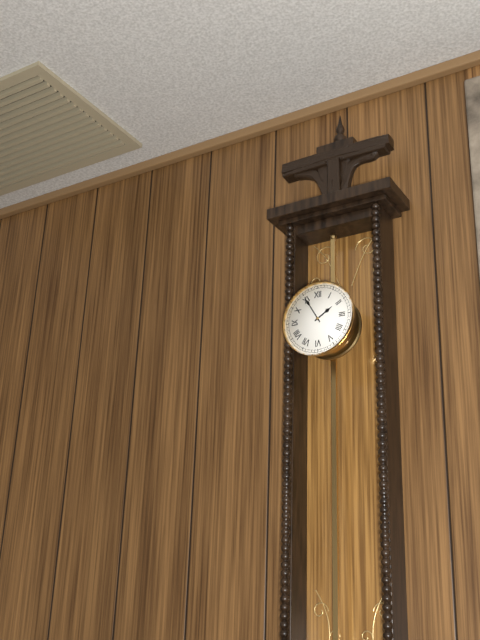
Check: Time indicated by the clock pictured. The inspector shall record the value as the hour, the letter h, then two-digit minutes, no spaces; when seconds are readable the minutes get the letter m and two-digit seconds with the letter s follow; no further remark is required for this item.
1h55
